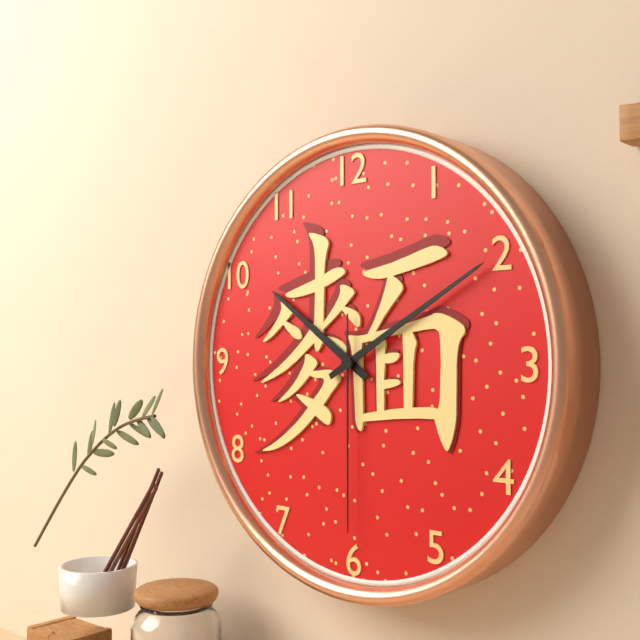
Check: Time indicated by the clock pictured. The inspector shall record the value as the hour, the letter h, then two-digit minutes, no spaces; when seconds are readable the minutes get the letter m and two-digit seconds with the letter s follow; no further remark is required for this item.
10h10m30s
